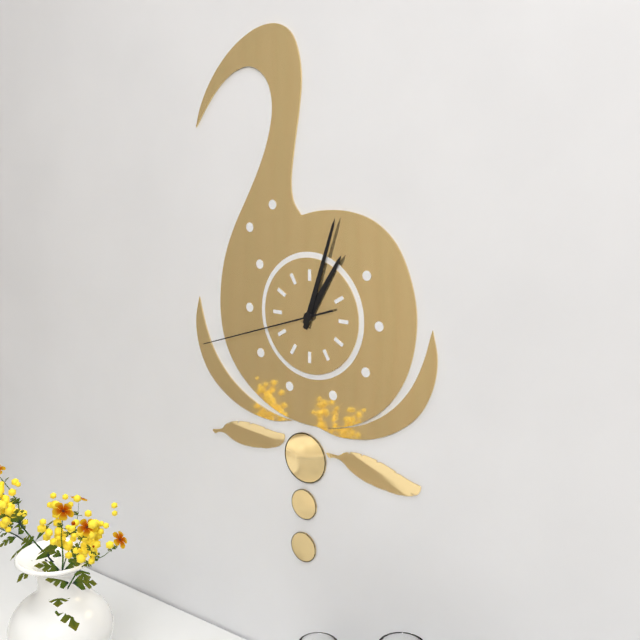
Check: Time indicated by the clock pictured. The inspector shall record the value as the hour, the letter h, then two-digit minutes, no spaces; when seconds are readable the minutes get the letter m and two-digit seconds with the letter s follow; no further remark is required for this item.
1h03m42s
